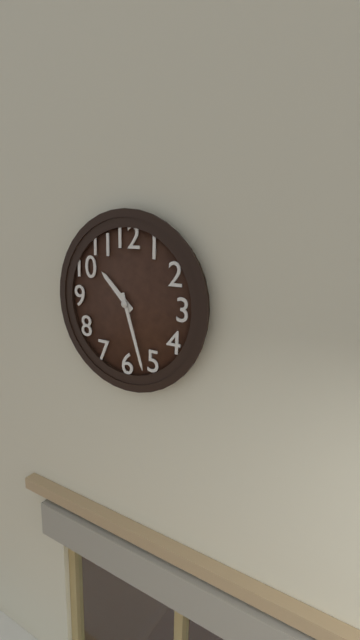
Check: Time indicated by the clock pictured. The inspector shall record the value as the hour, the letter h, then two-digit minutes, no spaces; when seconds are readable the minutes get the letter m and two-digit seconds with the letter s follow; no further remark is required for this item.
10h27
